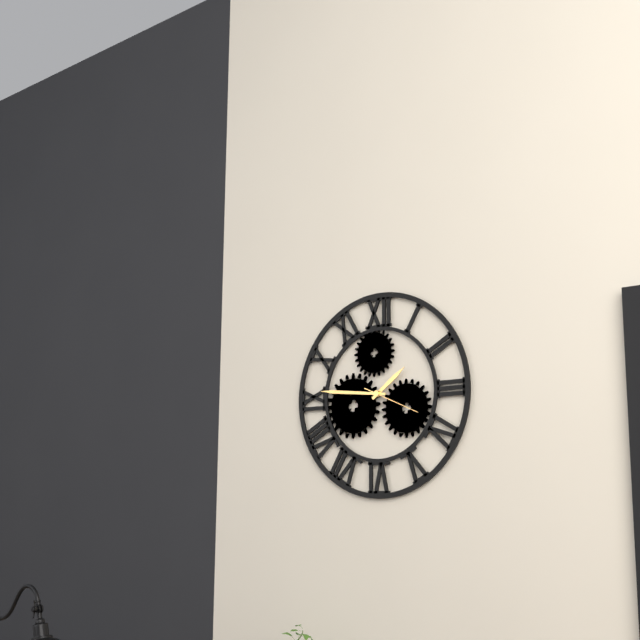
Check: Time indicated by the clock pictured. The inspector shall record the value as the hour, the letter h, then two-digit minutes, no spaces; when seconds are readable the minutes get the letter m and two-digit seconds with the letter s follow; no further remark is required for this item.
1h46m19s
